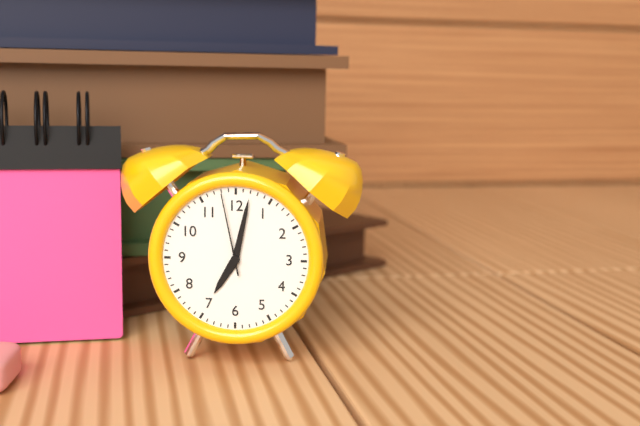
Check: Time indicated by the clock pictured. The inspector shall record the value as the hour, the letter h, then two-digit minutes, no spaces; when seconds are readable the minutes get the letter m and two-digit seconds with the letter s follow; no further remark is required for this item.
7h02m58s
